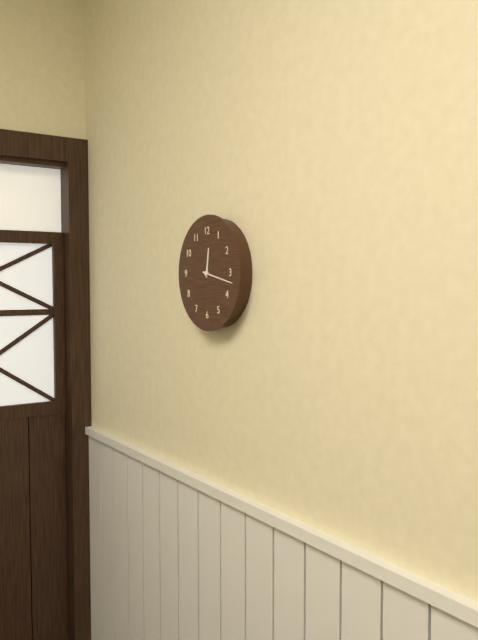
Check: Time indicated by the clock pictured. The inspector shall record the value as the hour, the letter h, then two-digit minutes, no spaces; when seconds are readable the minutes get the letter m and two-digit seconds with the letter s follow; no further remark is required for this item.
12h17
